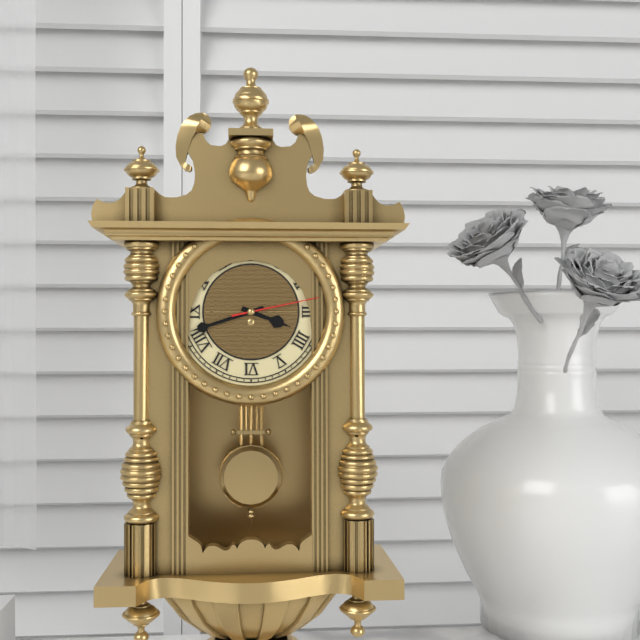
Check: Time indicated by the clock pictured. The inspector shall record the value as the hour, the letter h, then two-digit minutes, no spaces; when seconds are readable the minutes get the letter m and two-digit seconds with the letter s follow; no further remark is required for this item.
3h42m13s
